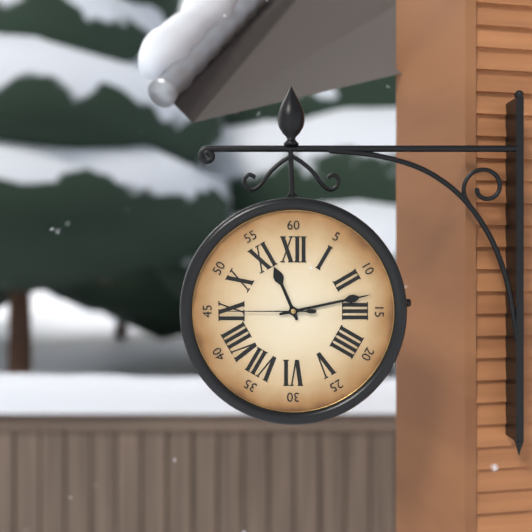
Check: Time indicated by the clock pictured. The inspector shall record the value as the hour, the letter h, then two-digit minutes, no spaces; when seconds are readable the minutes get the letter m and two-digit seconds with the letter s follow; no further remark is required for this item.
11h13m45s
